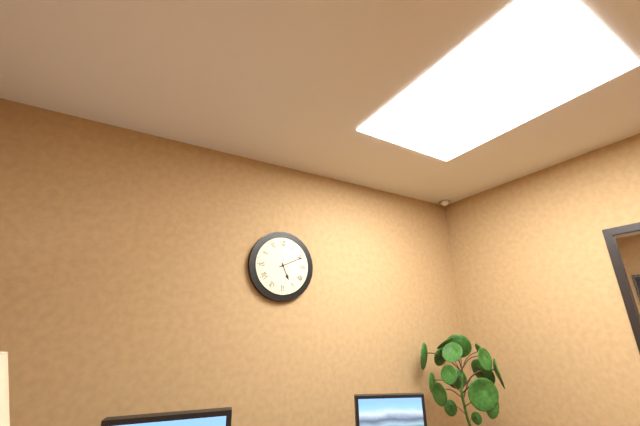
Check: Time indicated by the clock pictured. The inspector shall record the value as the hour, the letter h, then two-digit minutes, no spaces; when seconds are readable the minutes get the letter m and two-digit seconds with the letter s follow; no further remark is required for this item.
5h11
